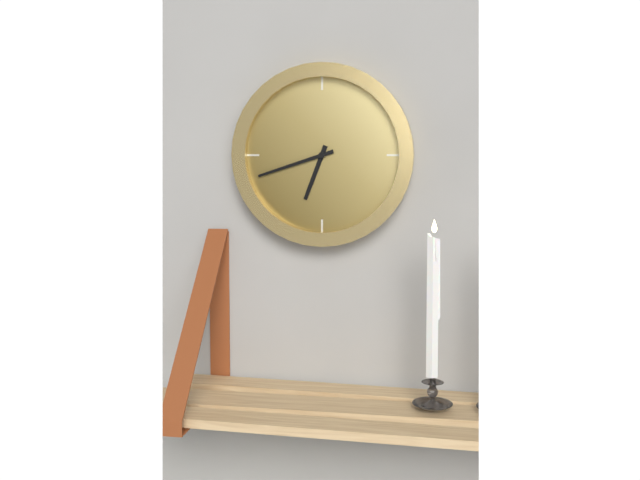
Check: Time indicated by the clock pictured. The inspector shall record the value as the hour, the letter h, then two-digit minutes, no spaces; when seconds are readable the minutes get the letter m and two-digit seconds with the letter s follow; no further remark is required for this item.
6h42
